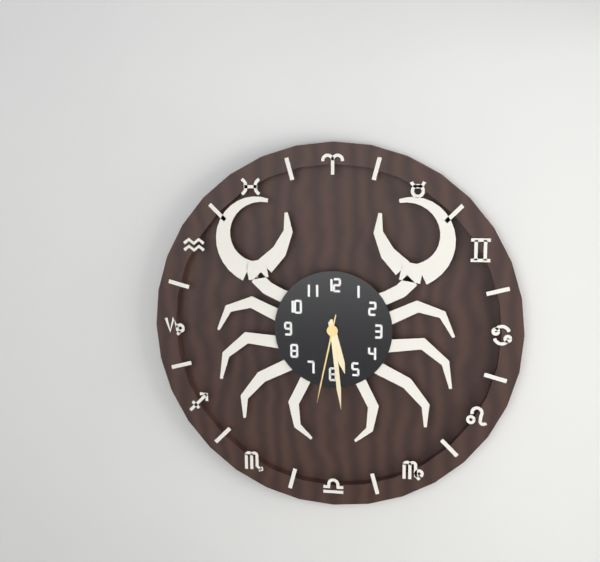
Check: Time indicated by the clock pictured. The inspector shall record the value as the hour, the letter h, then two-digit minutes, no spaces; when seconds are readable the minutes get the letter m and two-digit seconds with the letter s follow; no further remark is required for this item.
5h29m32s
